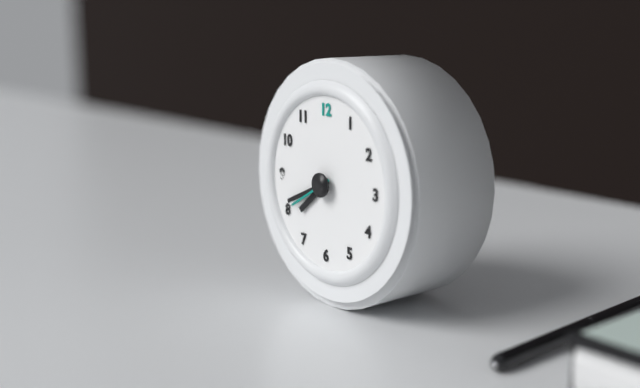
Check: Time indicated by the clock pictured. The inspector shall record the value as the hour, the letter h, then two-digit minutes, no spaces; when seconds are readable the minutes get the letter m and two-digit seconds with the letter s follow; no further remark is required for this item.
7h41m40s
